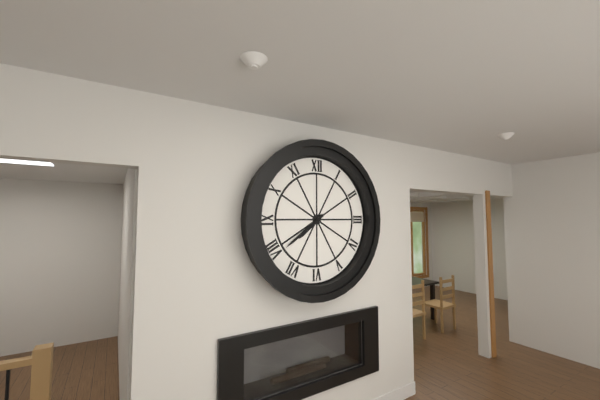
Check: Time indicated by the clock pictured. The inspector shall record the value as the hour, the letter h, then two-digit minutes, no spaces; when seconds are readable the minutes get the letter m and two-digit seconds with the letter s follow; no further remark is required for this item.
7h39
